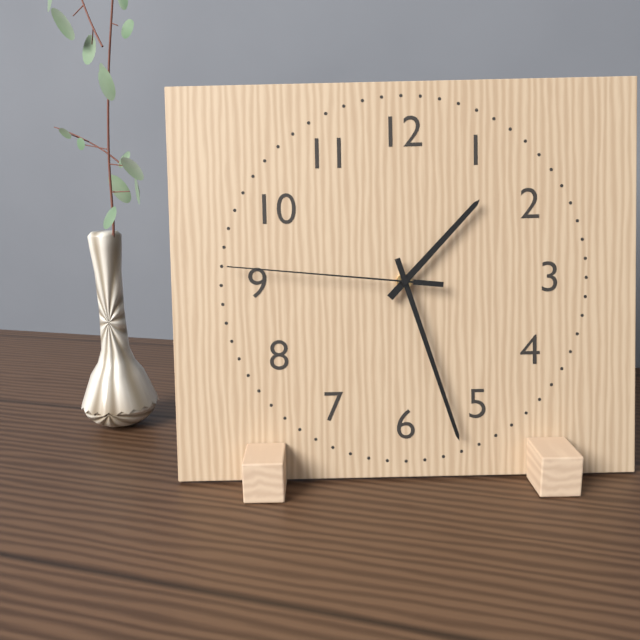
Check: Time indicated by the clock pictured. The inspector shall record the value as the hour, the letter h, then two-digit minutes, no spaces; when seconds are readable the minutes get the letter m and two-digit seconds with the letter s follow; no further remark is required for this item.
1h27m46s
